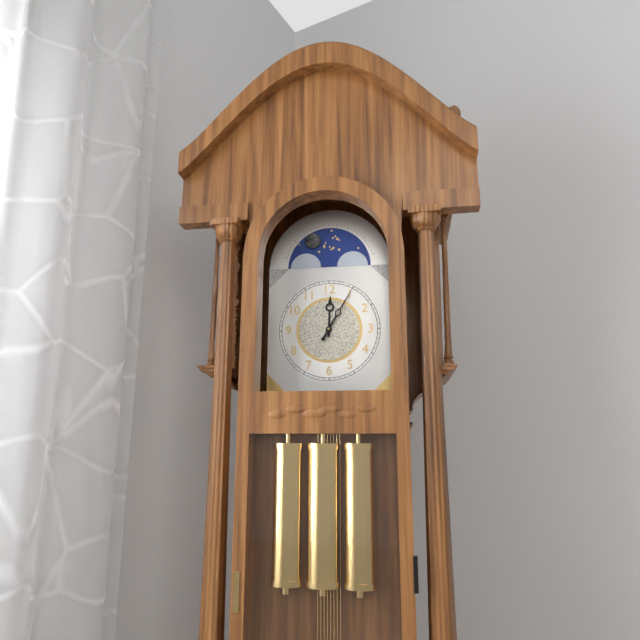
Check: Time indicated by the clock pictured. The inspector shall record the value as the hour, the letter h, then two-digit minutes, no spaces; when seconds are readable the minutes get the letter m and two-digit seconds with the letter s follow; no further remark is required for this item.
12h05
